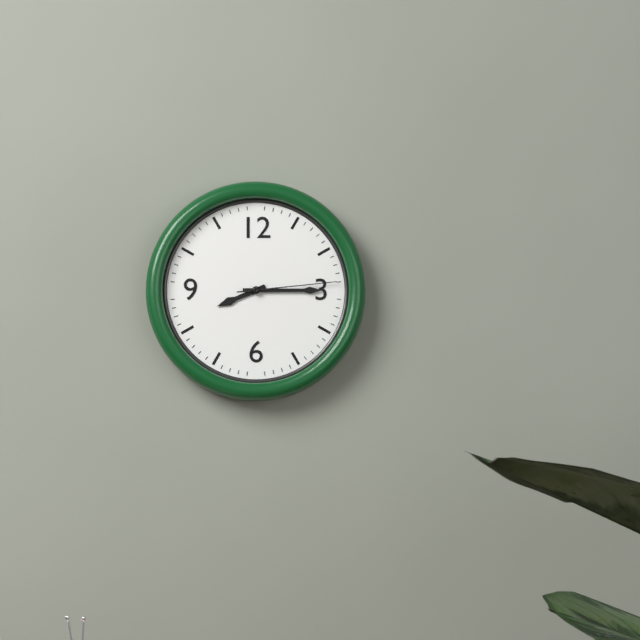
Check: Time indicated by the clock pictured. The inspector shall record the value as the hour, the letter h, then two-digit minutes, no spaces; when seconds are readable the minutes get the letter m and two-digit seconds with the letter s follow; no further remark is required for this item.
8h15m14s
